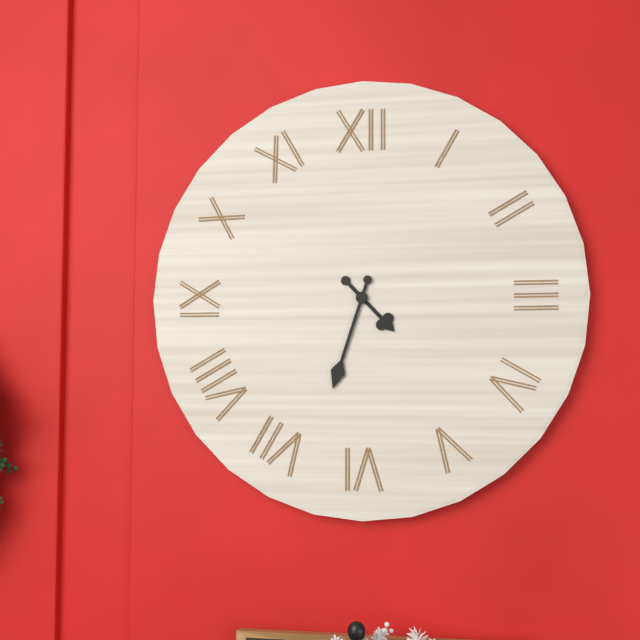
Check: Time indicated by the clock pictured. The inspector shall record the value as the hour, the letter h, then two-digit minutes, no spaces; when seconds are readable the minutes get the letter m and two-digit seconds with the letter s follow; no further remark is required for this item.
4h33
